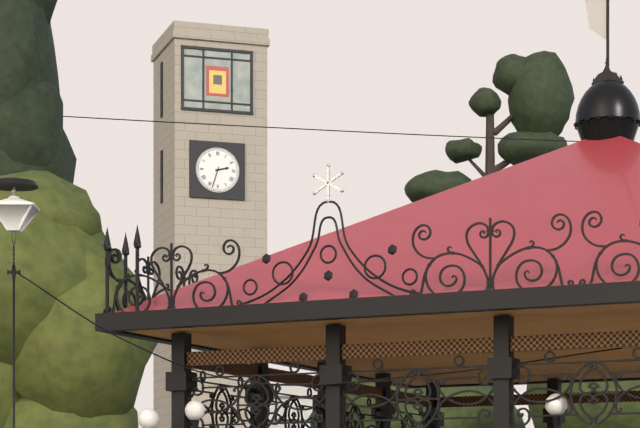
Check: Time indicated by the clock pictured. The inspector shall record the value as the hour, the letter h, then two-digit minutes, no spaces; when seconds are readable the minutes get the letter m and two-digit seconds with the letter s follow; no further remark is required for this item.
2h33
